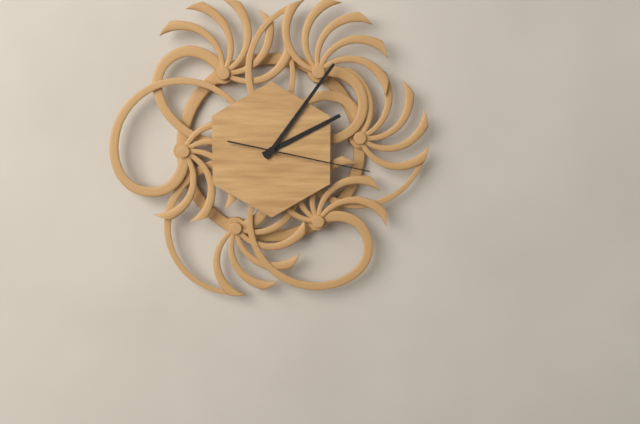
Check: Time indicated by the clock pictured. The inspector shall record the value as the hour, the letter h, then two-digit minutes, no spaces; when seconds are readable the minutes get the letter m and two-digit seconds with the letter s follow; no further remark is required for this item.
2h06m17s
